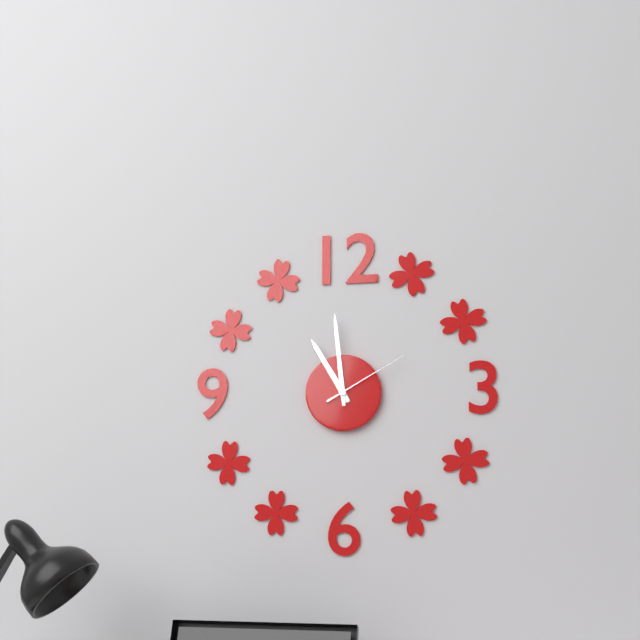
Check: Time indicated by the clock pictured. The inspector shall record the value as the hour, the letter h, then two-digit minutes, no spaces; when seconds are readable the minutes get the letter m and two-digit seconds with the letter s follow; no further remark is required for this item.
10h59m10s
